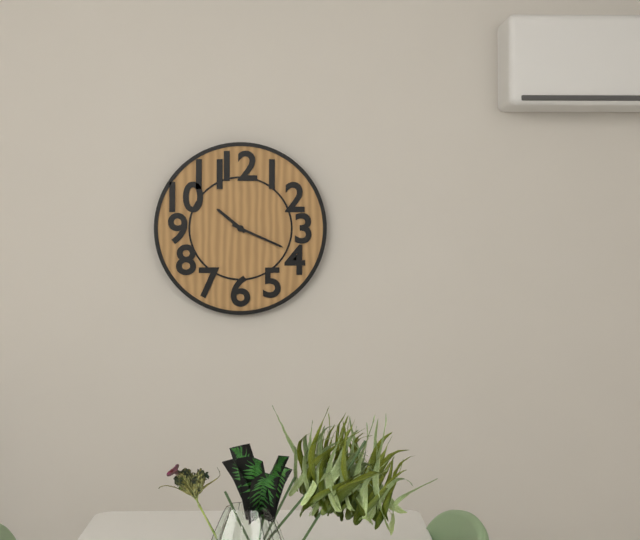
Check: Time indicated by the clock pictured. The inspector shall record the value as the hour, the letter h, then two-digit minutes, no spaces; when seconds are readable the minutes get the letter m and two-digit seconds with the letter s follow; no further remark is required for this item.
10h19
